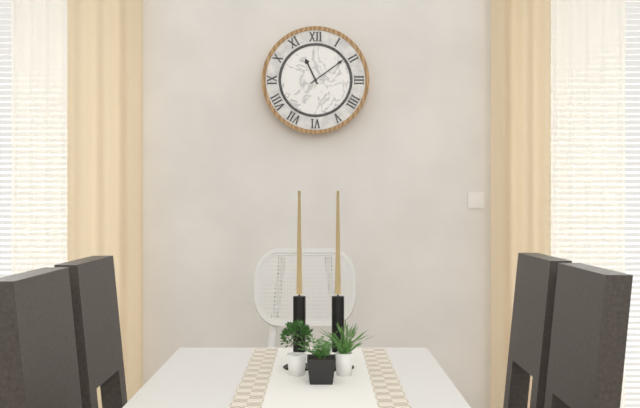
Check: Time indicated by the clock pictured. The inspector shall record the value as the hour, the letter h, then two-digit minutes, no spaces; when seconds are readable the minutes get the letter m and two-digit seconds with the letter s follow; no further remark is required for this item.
11h09
